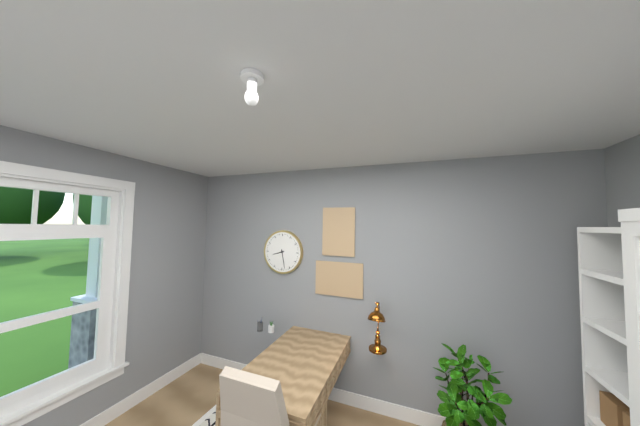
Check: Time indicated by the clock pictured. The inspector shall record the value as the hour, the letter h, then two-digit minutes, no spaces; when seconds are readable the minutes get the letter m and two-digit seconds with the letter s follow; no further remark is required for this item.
8h28
